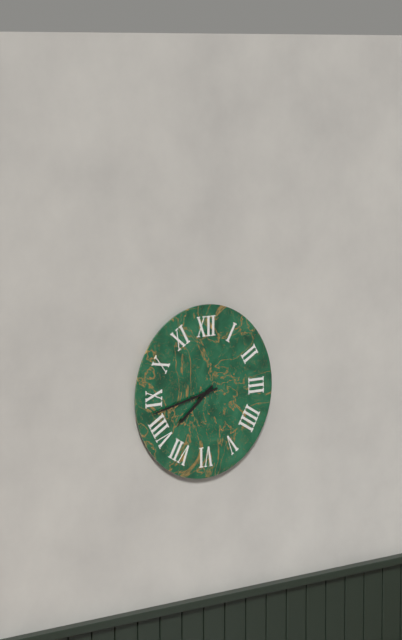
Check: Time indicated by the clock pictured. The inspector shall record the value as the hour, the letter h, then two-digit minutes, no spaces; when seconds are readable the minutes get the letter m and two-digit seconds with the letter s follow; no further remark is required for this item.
7h43
